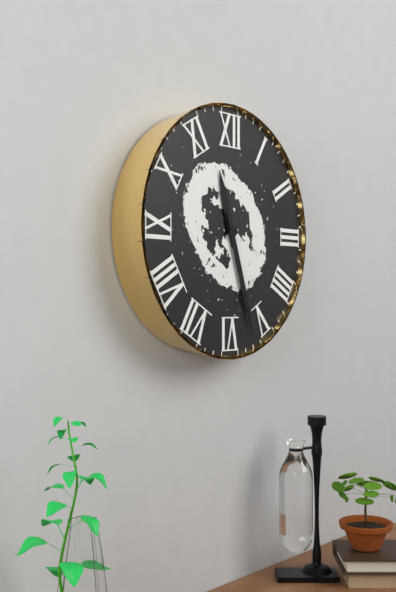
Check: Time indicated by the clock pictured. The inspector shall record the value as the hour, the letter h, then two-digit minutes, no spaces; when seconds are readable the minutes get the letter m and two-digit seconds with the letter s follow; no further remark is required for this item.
11h27
